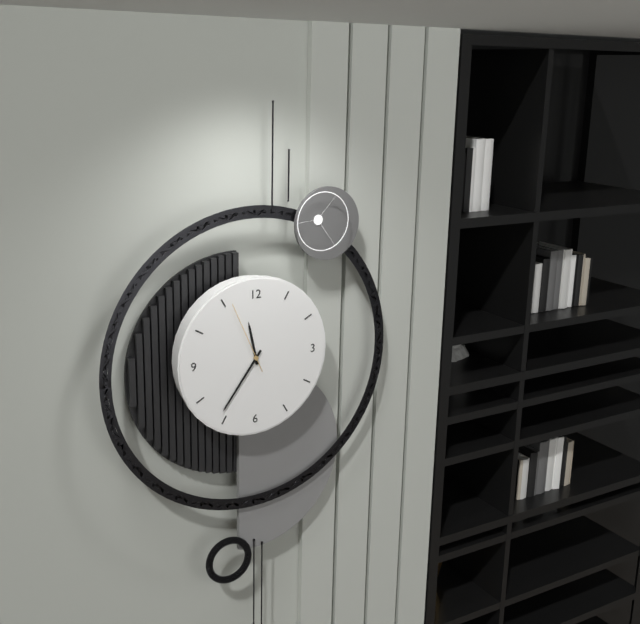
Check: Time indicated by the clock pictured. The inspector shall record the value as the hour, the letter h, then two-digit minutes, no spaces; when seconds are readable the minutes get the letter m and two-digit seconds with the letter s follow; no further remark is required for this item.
11h36m56s
